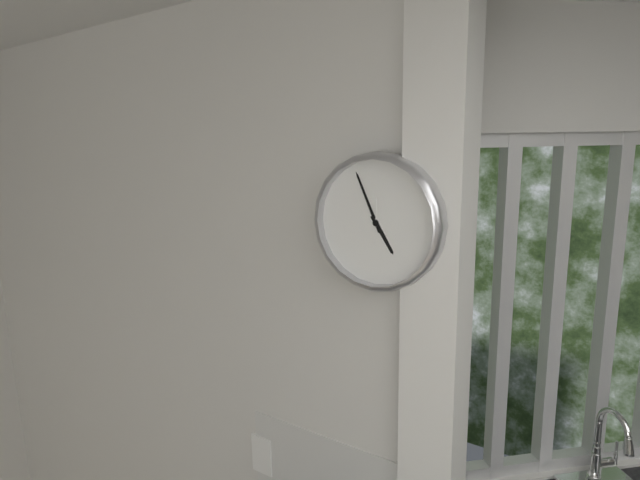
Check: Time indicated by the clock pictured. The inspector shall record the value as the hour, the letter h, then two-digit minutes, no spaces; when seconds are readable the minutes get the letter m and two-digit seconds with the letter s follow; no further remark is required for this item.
4h56
